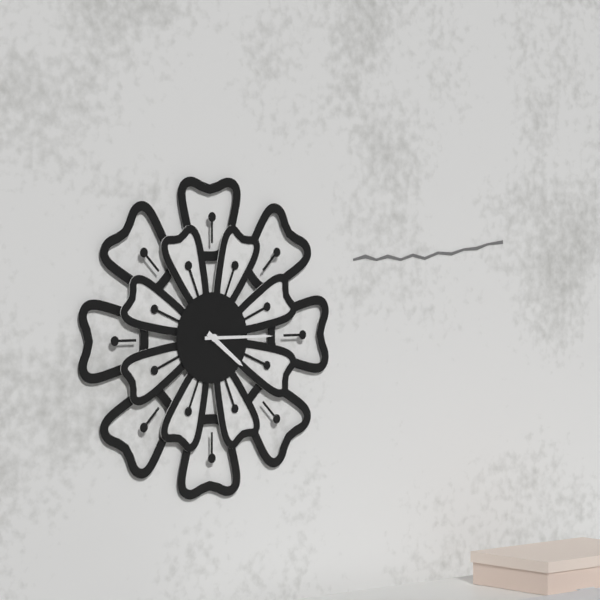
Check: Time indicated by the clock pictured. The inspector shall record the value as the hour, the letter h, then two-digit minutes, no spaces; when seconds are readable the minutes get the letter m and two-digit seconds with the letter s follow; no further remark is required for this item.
4h15
